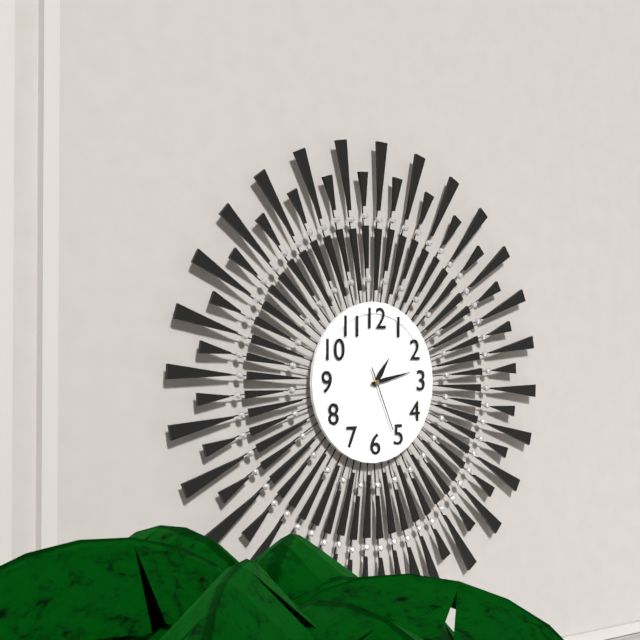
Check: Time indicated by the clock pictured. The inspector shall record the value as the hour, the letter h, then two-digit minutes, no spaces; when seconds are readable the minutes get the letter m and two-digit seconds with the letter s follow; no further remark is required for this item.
1h13m26s
